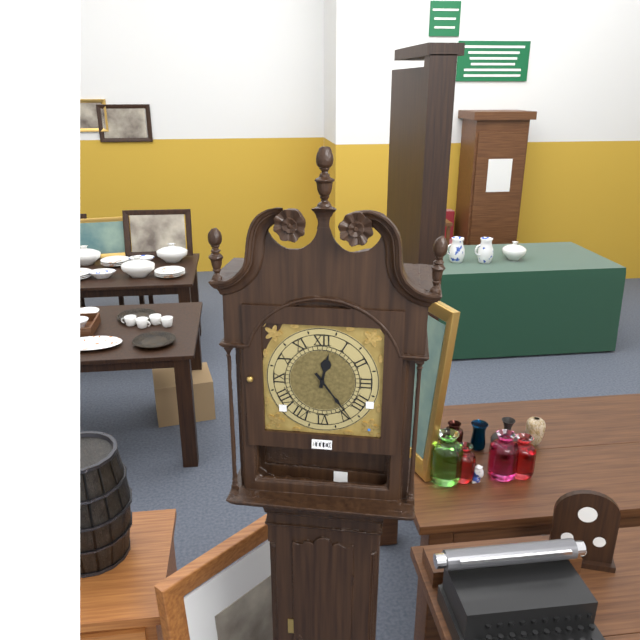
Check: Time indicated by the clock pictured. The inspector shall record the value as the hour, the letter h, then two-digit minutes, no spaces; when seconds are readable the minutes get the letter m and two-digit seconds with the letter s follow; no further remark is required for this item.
12h24
